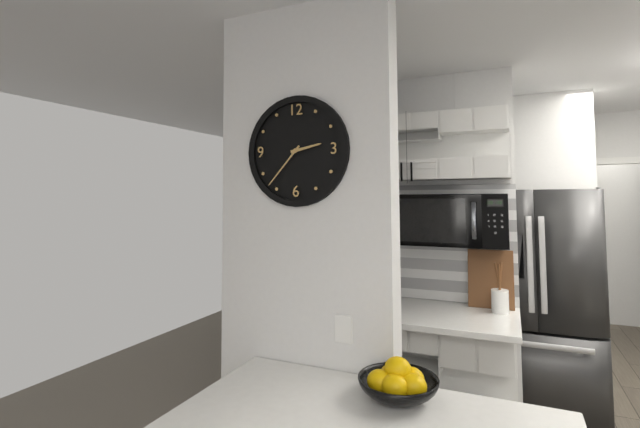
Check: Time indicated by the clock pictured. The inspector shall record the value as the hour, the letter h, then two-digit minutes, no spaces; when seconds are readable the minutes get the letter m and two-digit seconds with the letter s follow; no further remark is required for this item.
2h37
